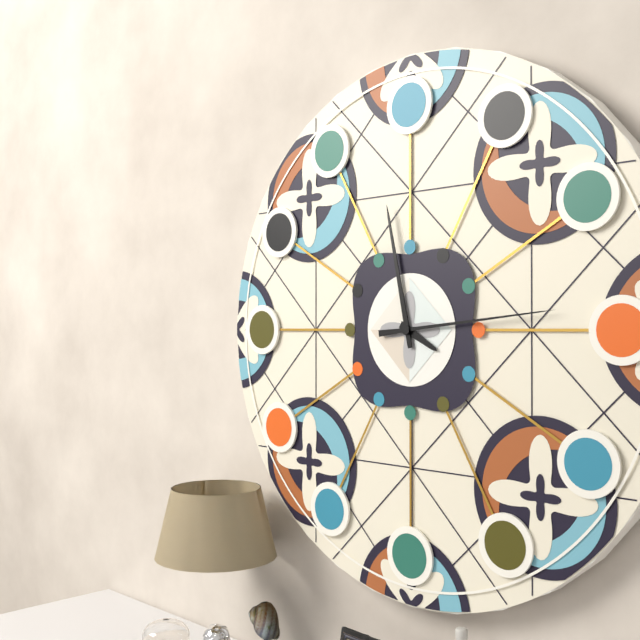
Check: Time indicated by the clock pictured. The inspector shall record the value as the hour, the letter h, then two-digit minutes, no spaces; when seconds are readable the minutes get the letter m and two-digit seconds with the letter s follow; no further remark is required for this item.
3h58m14s
